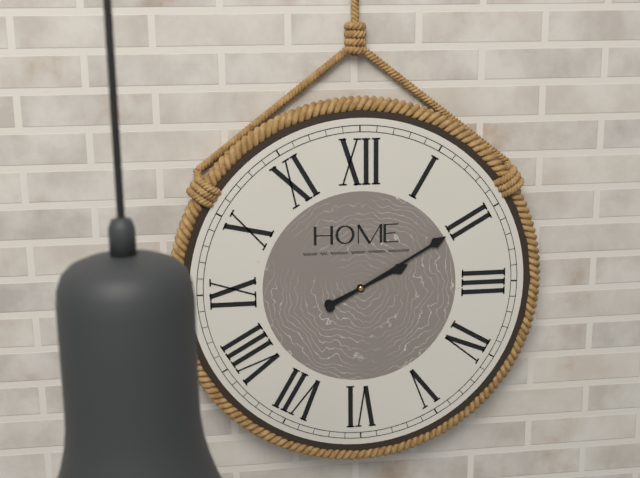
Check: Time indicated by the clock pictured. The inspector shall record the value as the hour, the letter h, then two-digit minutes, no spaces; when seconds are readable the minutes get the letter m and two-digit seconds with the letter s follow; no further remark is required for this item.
2h10
